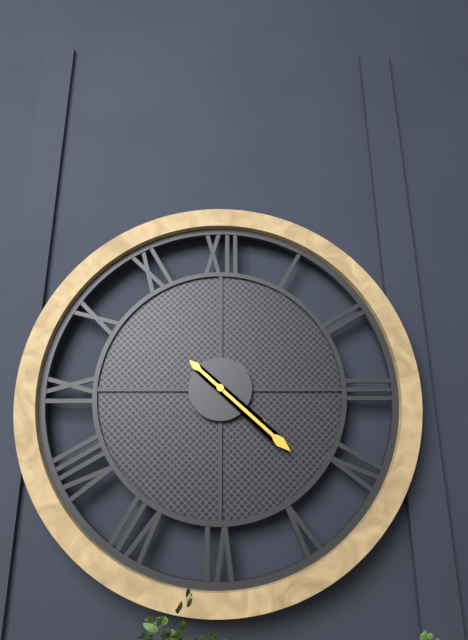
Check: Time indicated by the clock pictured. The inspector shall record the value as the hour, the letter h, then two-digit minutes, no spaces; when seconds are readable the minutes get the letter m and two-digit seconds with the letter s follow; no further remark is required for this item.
4h22
